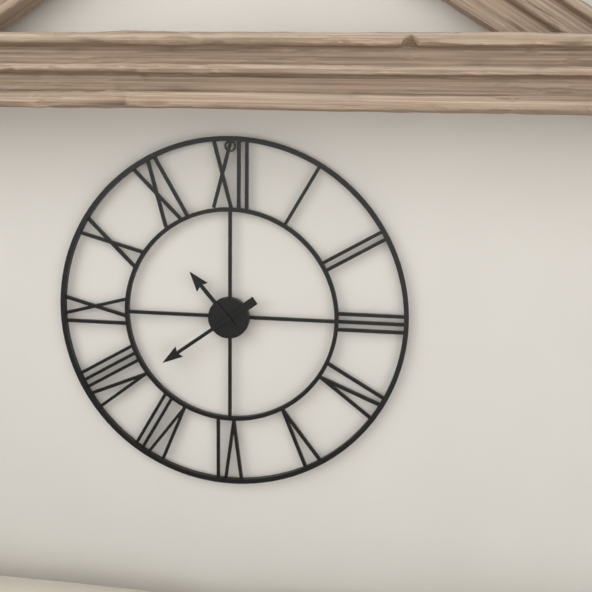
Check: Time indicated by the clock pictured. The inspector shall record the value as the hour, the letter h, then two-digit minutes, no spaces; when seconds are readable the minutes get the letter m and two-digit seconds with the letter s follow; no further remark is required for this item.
10h39
